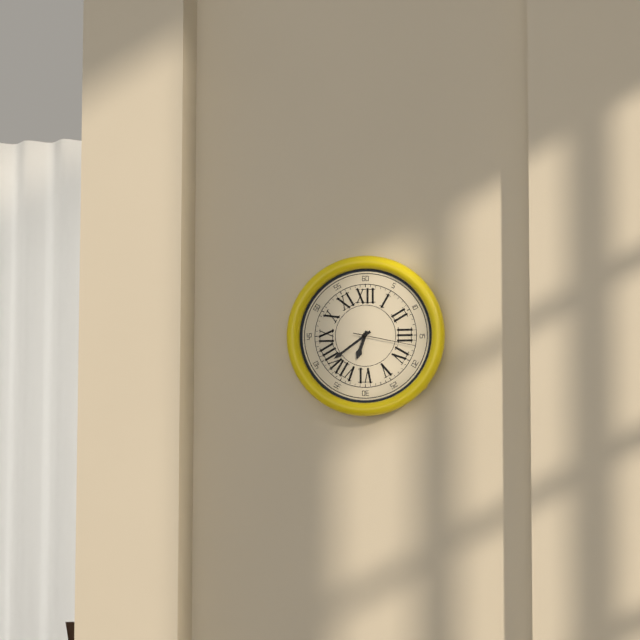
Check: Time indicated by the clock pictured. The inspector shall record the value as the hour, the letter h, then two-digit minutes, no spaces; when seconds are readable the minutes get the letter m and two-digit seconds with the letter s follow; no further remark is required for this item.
6h39m17s
